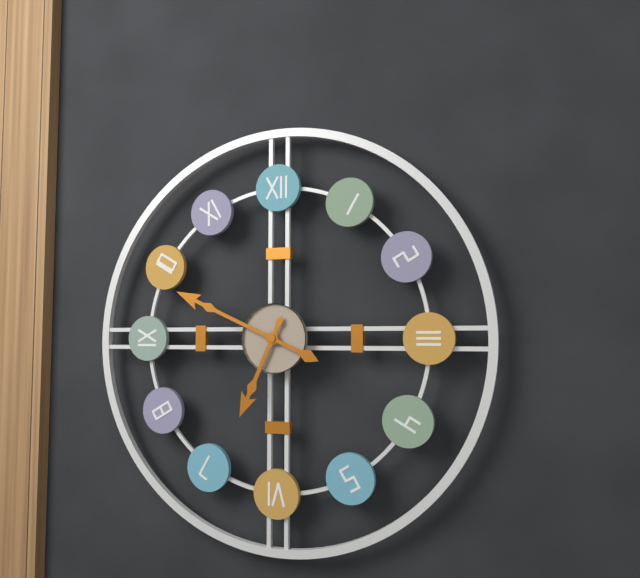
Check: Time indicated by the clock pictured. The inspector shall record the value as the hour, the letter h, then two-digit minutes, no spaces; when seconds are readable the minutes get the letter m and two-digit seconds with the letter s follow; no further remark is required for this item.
6h49
